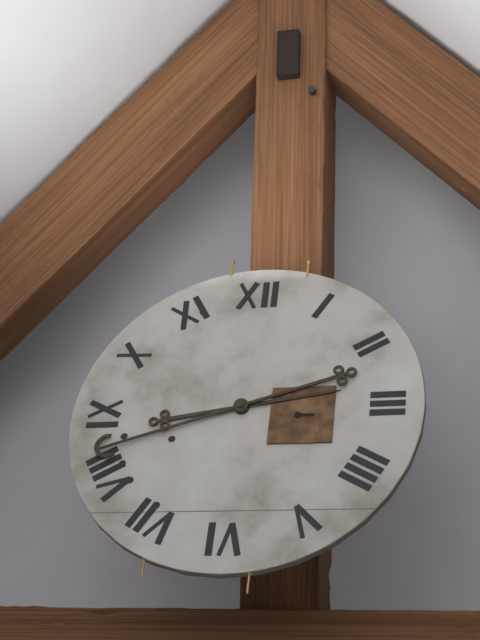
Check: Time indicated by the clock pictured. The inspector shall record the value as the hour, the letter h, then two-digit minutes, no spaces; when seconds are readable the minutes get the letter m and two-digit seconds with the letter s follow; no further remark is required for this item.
2h42
